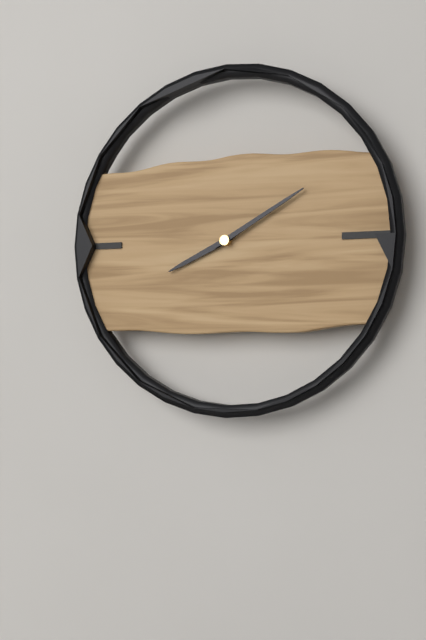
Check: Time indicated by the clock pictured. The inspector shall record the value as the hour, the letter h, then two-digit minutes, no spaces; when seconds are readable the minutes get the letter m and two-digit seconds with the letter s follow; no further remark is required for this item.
8h10
